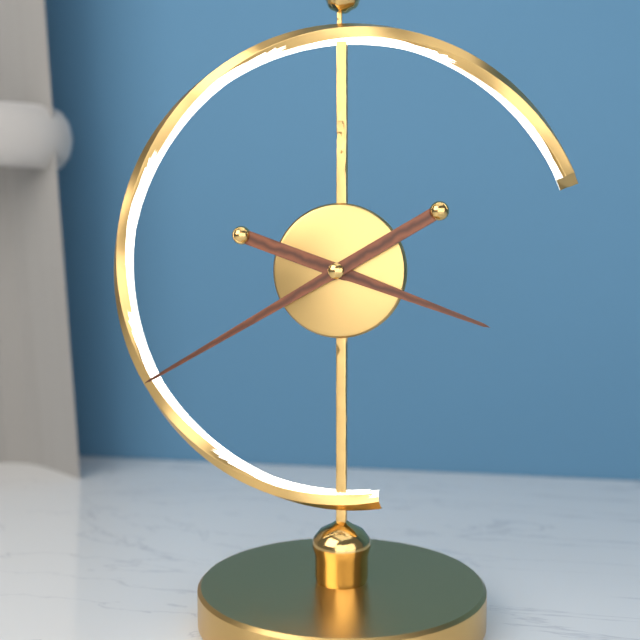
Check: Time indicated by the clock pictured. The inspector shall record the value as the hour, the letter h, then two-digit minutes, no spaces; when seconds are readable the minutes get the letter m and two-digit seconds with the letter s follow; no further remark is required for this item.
3h40
